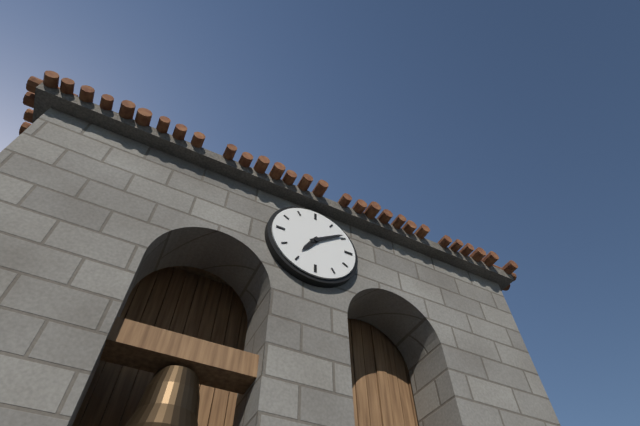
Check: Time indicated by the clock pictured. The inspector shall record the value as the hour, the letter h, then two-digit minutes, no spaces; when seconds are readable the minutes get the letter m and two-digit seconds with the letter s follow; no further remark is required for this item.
7h09
